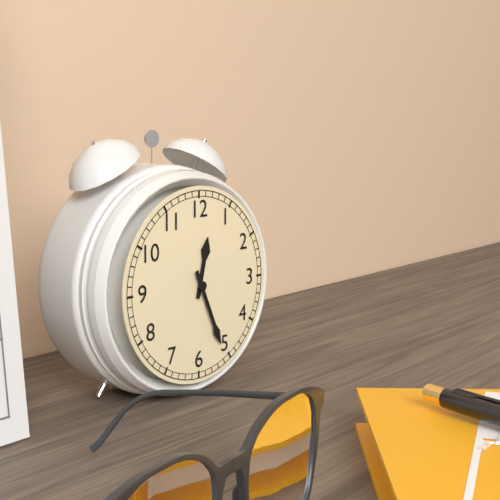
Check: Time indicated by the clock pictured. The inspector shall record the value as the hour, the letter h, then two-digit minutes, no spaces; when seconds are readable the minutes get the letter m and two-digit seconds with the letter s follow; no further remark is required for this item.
12h26
